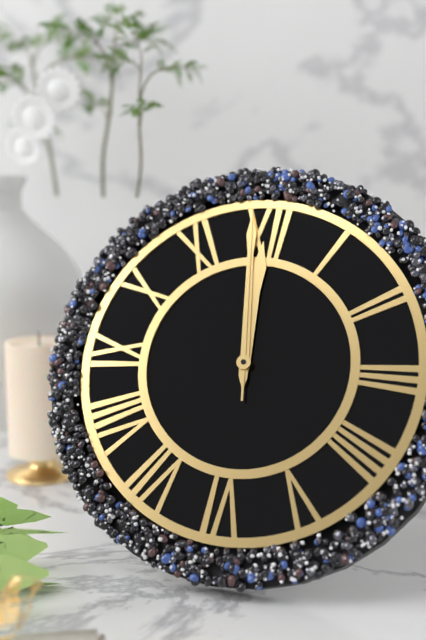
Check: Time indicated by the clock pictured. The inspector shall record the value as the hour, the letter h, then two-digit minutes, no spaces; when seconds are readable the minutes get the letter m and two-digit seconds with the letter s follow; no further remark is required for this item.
11h59m59s
